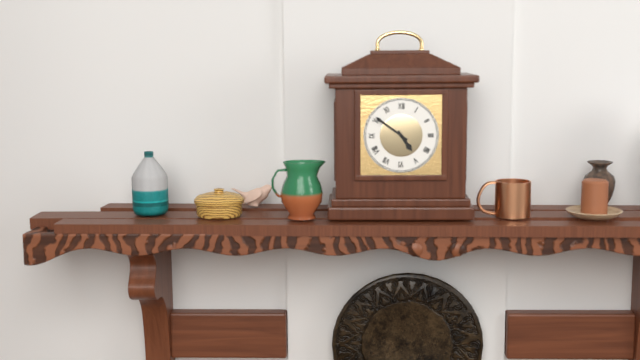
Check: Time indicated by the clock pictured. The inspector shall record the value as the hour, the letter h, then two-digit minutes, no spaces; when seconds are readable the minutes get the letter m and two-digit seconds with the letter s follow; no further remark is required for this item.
4h51
